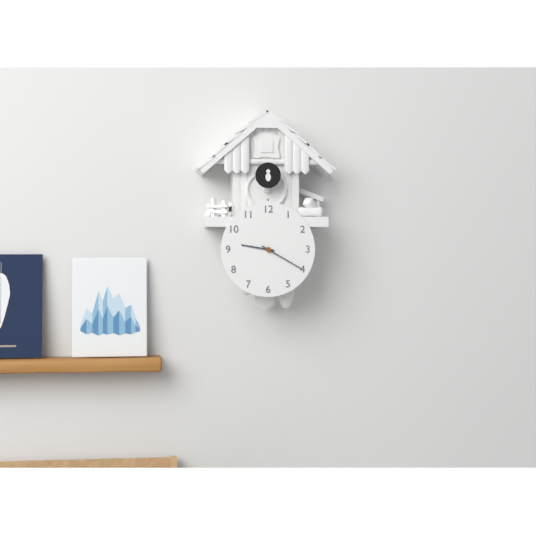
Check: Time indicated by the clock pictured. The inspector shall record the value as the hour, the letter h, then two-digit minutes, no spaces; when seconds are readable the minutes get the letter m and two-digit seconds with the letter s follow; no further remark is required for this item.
9h20
